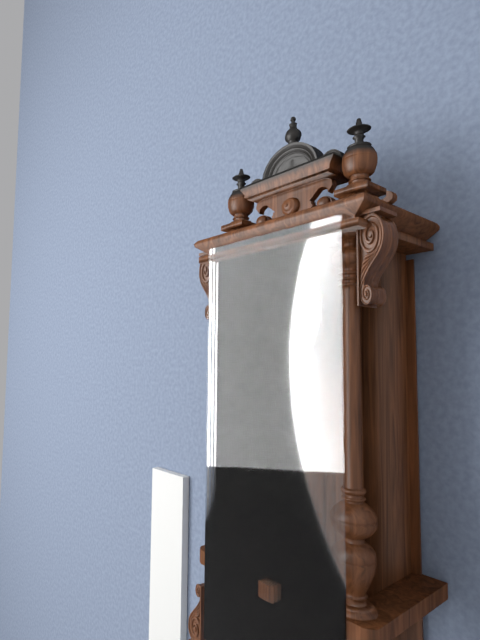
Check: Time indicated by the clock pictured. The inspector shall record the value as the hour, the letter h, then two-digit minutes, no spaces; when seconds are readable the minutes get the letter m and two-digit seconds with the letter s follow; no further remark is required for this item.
9h47
